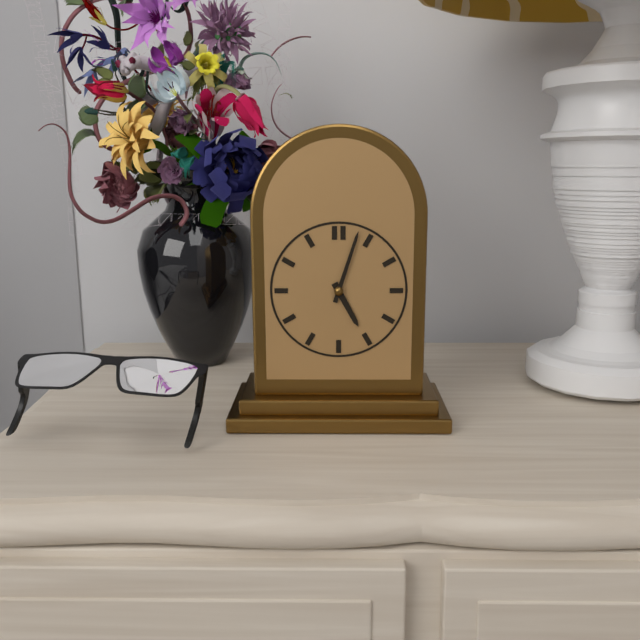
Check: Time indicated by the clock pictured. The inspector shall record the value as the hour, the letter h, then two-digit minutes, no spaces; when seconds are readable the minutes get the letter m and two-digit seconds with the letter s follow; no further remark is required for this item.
5h03
